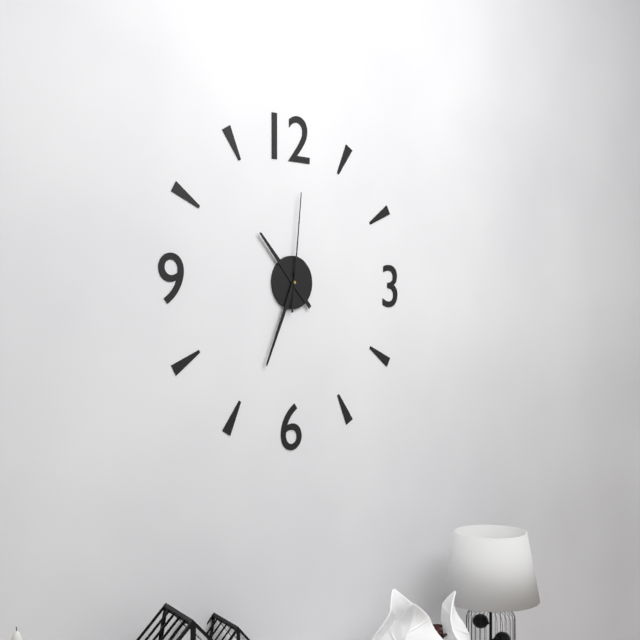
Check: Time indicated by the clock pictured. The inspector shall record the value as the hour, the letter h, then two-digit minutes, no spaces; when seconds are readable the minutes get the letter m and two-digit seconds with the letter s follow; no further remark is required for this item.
10h34m01s
